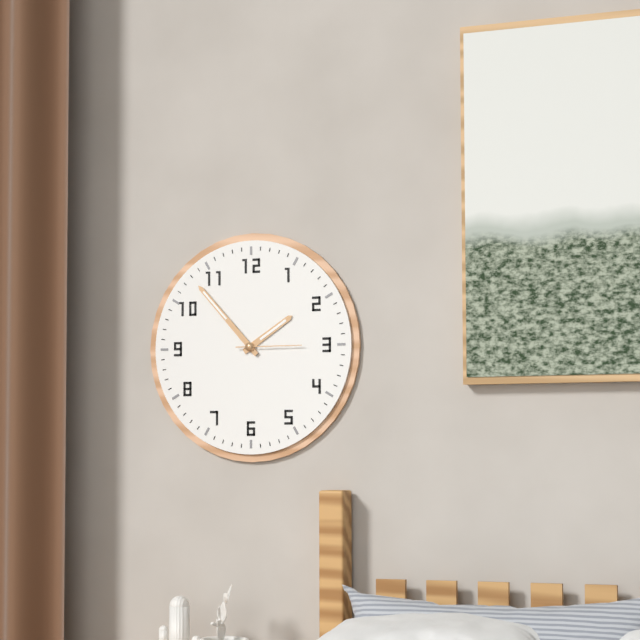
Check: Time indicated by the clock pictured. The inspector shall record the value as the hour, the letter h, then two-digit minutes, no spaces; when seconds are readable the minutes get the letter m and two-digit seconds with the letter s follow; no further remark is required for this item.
1h53m15s
